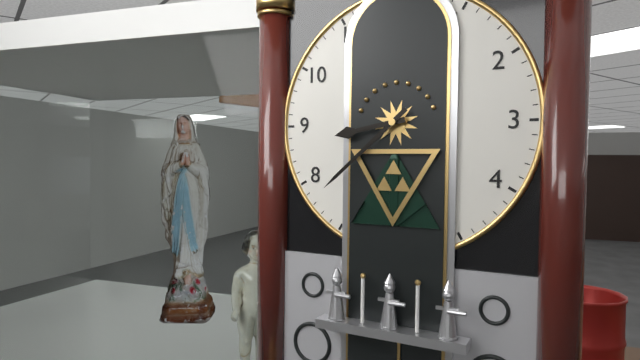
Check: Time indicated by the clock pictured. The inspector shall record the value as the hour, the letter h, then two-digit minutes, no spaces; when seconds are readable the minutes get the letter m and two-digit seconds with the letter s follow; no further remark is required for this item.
8h38
